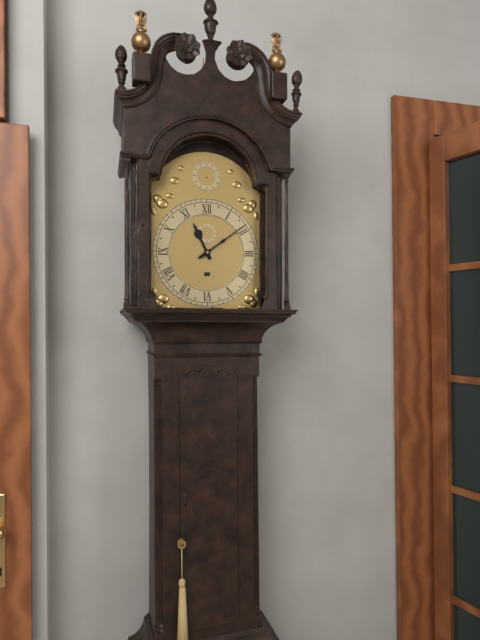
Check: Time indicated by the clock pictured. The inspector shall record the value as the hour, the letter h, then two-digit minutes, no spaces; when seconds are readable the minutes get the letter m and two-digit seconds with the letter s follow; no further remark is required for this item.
11h09
